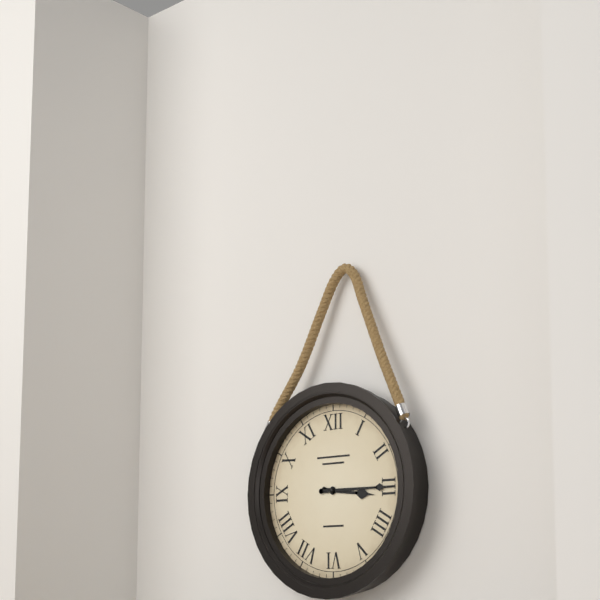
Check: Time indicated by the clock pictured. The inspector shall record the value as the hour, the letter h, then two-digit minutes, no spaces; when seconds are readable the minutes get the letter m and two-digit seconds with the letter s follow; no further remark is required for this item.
3h15
